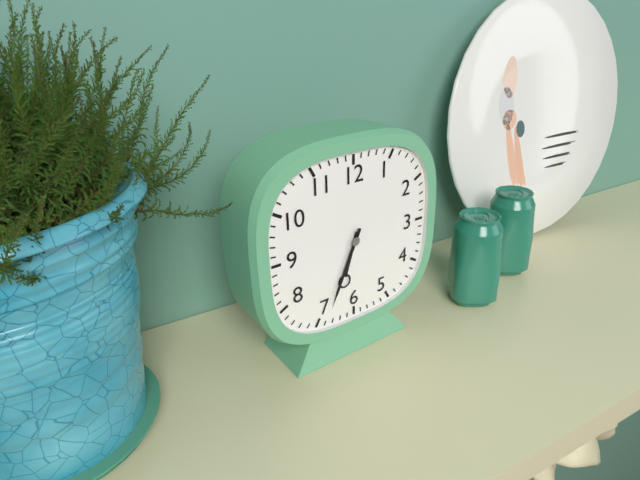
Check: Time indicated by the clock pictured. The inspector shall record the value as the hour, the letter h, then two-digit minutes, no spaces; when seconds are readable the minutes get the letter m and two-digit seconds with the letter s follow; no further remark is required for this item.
6h34
